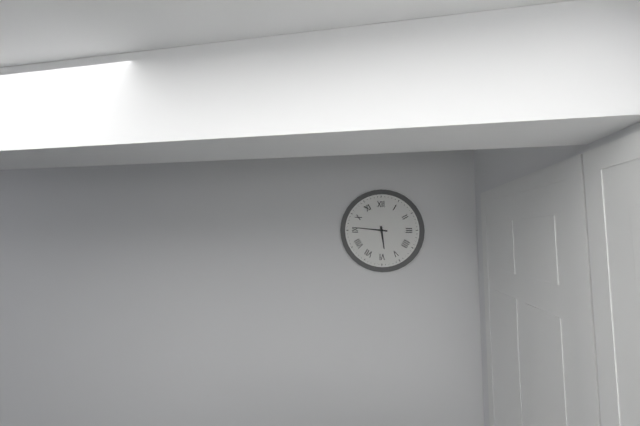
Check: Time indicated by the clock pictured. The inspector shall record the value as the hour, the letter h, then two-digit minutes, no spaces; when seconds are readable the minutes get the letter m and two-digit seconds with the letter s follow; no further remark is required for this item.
5h46
